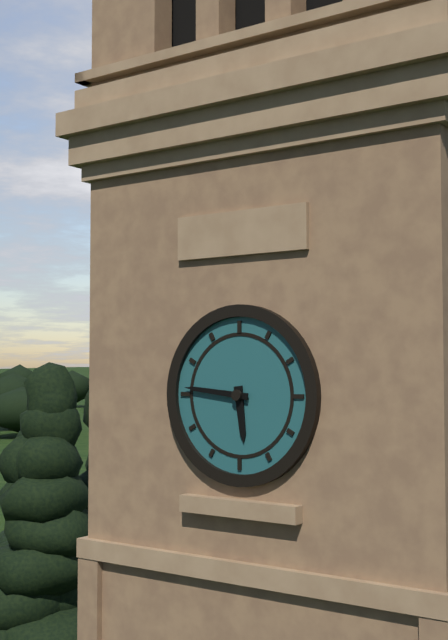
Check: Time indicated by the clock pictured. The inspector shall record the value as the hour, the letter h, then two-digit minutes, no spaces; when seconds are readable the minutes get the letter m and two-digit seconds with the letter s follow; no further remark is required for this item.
5h46
